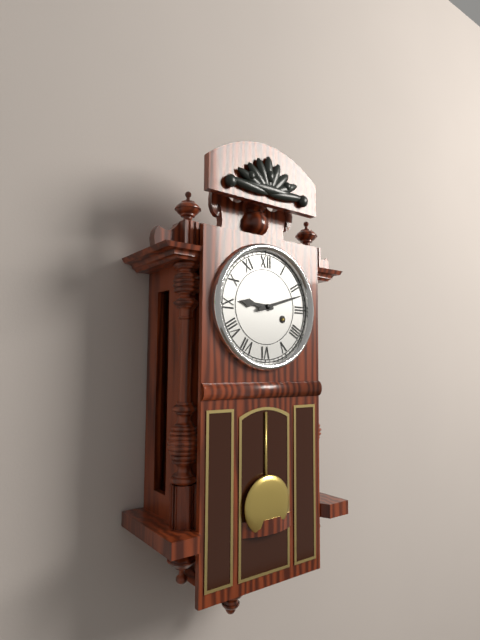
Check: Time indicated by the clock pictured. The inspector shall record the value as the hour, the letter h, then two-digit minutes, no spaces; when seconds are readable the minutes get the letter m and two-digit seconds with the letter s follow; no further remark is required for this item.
9h12
